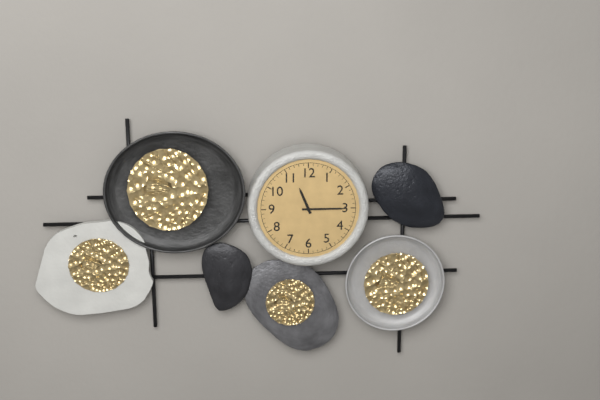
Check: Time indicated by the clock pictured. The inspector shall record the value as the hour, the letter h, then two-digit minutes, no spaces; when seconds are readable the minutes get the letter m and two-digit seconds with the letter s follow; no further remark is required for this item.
11h15
